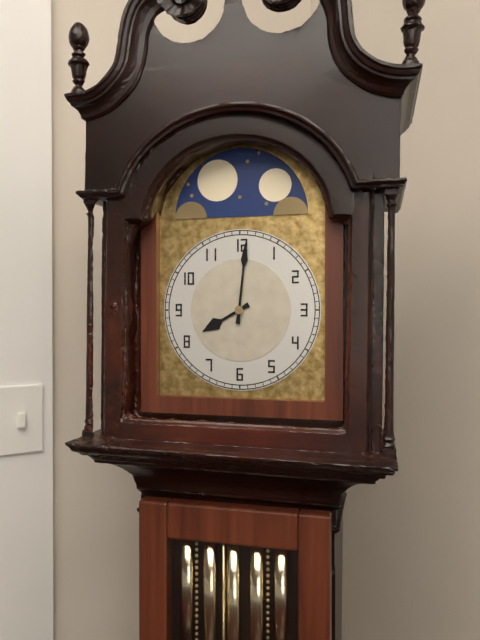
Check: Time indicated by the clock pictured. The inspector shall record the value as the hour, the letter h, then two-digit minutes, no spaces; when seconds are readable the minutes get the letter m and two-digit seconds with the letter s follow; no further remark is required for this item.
8h01
